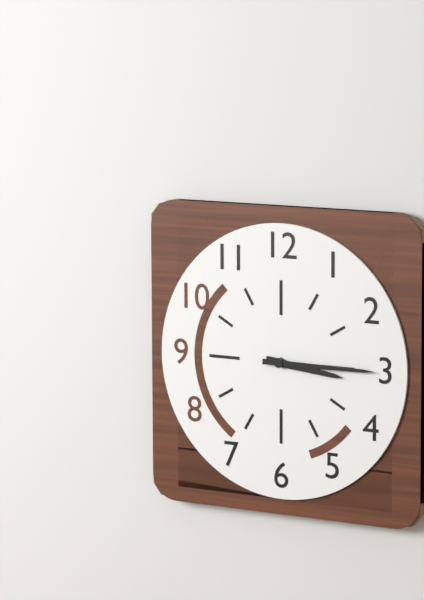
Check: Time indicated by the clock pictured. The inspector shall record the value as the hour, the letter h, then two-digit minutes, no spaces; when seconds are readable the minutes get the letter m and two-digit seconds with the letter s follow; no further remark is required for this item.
3h15
